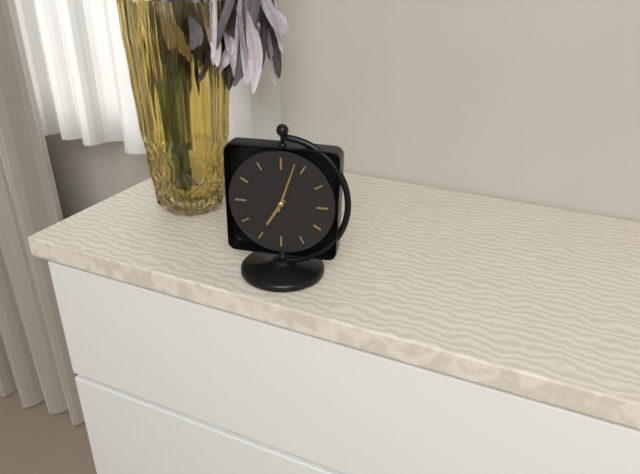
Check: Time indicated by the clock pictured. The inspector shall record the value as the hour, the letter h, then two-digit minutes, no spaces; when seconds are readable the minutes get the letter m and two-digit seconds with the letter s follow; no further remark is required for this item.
7h03
